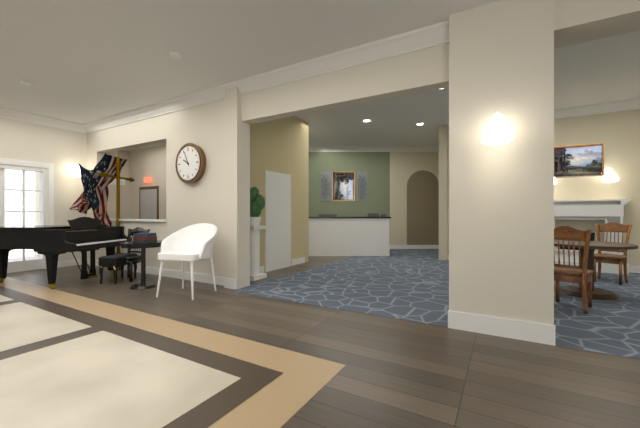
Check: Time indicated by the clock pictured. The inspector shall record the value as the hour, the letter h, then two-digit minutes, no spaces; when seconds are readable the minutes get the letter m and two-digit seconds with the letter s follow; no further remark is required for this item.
9h56
